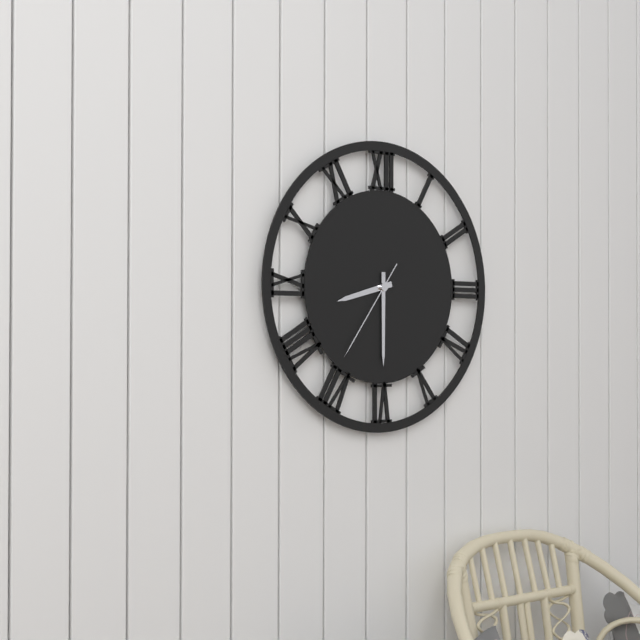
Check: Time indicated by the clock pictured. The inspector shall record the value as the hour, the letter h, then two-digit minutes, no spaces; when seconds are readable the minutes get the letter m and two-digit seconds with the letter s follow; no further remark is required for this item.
8h30m36s
